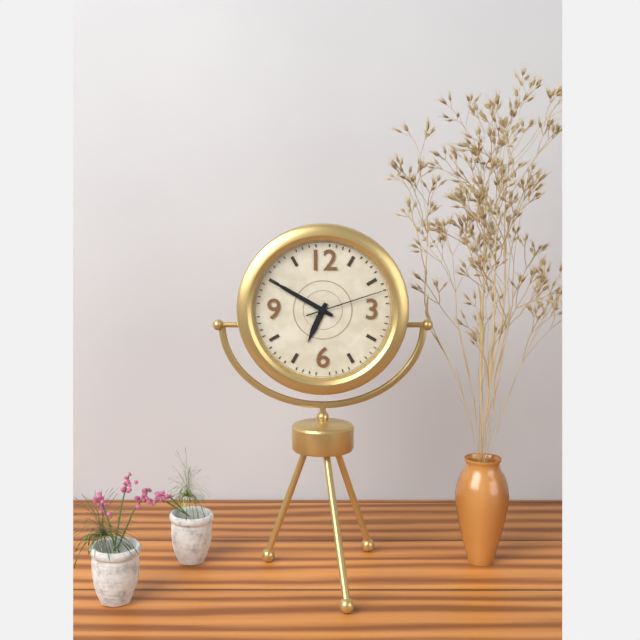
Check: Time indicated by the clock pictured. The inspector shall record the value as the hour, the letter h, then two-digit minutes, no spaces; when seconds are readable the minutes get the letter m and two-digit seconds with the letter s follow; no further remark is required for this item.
6h50m12s
